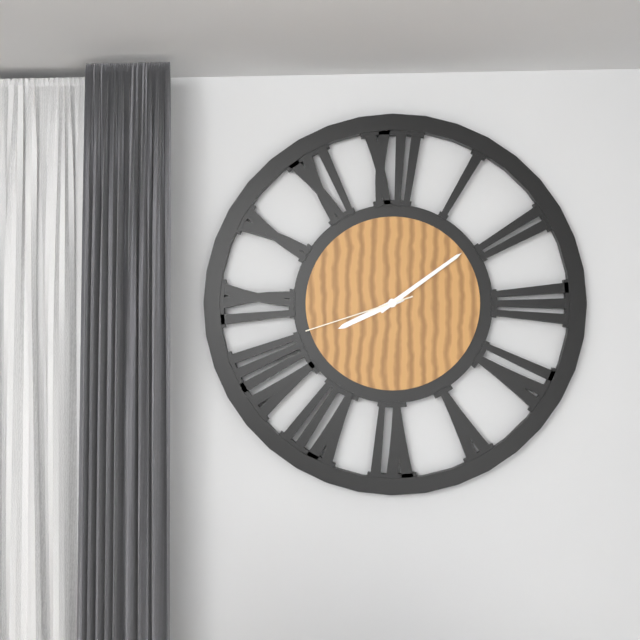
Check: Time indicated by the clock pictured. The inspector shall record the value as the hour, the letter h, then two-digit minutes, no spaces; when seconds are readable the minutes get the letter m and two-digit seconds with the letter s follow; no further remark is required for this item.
8h09m42s
